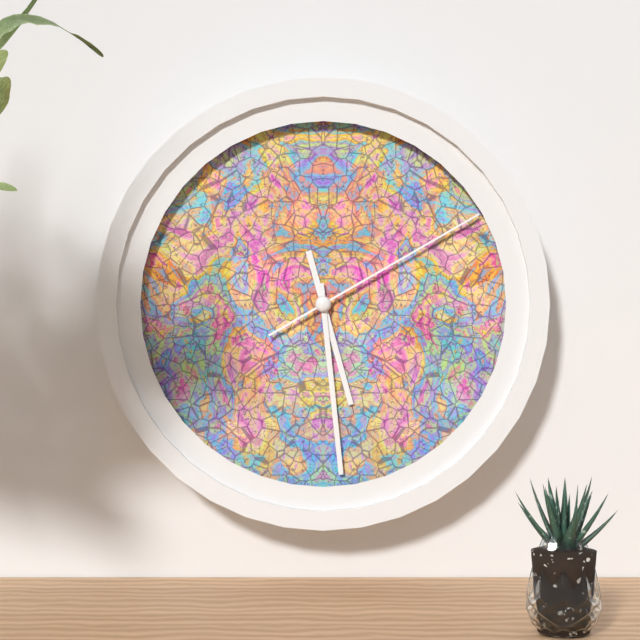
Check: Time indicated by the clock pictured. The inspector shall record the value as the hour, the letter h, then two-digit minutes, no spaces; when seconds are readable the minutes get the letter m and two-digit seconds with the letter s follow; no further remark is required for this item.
5h29m10s
